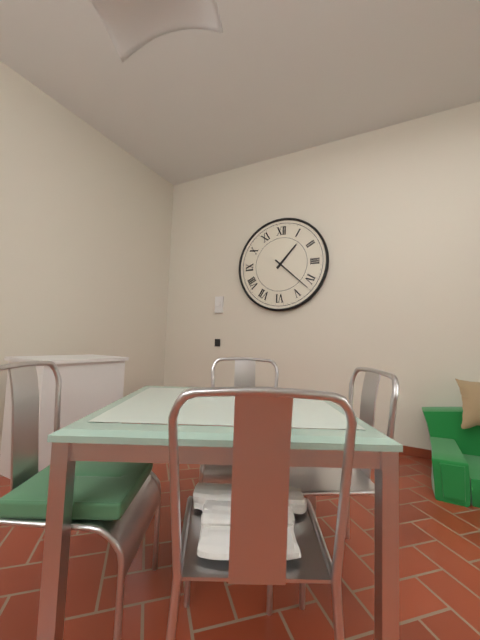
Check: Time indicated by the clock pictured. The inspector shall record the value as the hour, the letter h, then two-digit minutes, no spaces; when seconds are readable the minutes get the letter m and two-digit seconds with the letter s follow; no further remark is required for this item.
1h22
